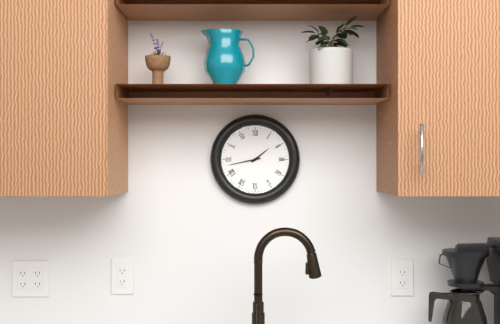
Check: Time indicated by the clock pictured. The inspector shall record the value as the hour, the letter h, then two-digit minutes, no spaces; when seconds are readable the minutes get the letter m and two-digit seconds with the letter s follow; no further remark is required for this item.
1h43
